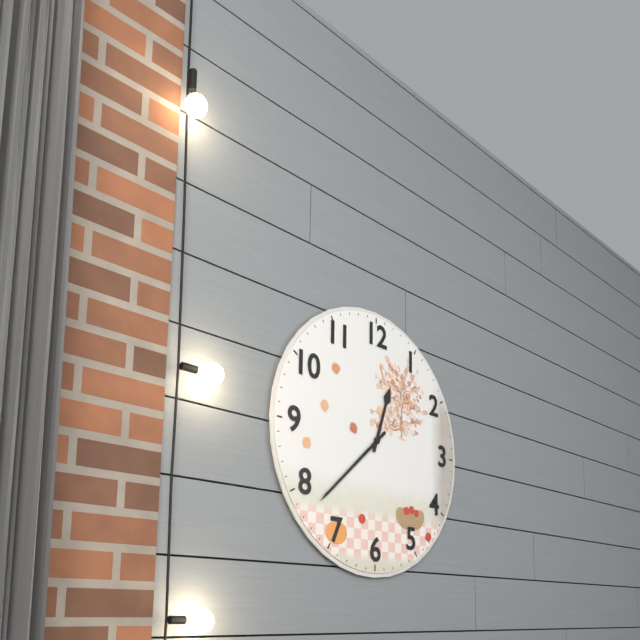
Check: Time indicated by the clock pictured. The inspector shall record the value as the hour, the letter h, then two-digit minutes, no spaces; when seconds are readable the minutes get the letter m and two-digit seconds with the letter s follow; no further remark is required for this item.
12h38
